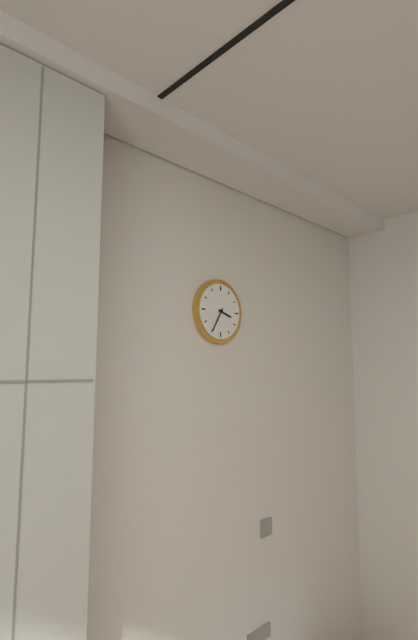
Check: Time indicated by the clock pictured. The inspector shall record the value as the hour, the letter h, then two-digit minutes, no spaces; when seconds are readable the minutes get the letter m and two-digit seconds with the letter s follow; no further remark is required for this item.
3h35
